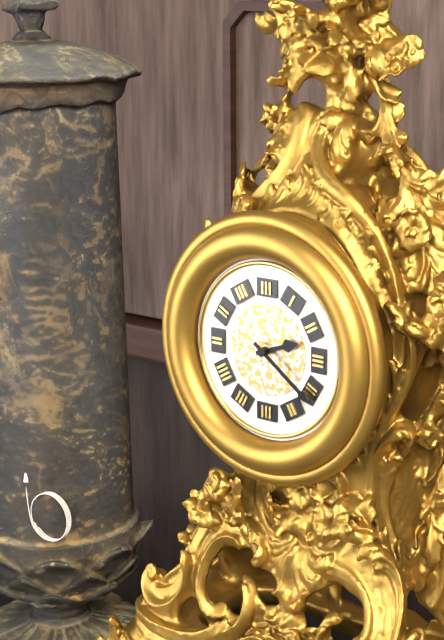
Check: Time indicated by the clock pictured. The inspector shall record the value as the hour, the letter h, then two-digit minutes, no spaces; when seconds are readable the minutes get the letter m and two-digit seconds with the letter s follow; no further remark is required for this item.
2h21
